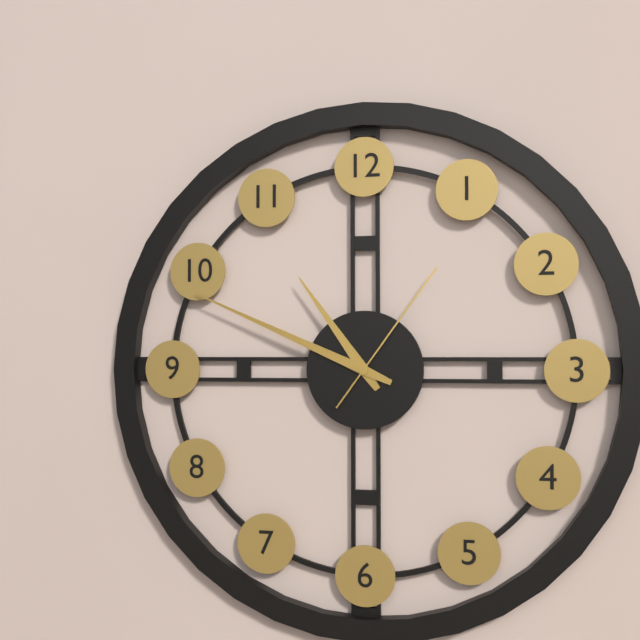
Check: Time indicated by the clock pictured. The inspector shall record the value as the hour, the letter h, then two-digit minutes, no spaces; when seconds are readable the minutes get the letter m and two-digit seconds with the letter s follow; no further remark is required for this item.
10h49m06s
